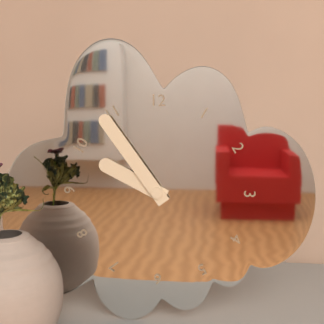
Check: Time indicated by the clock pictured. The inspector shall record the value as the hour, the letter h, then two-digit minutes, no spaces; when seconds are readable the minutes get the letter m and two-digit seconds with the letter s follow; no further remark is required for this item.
9h54
